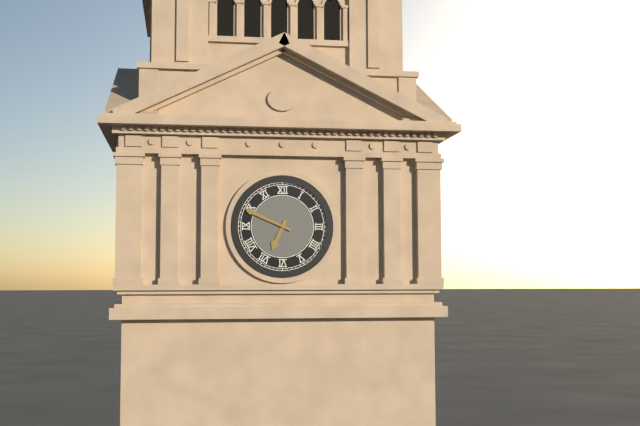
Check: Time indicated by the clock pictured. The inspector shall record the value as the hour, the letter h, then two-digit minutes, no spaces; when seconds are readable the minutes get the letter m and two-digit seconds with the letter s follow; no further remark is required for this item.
6h49
